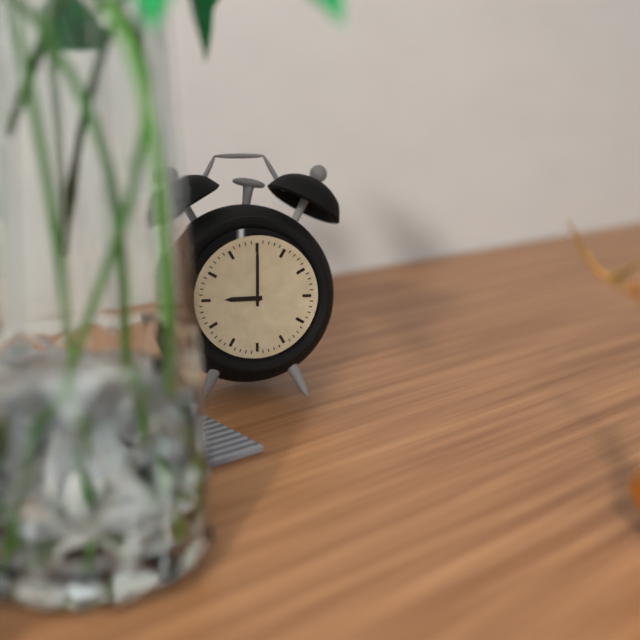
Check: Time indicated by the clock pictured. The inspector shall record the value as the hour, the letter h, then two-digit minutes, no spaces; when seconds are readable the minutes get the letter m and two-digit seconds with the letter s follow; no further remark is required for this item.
9h00
